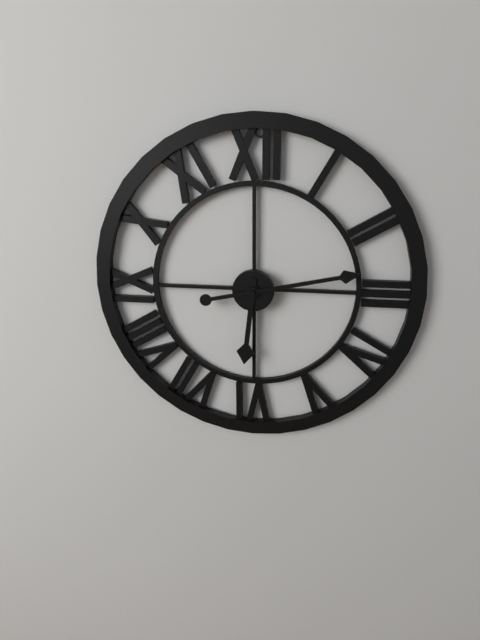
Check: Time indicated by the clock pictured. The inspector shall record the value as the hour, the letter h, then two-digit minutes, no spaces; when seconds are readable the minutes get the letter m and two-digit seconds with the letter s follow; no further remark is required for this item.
6h13
